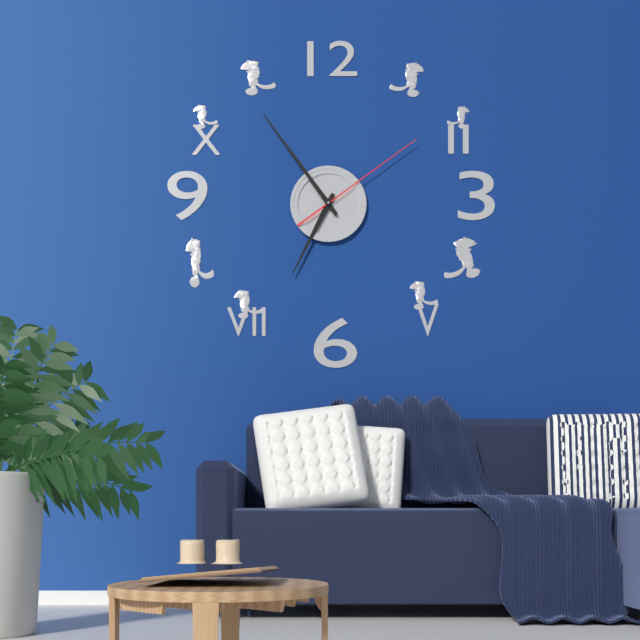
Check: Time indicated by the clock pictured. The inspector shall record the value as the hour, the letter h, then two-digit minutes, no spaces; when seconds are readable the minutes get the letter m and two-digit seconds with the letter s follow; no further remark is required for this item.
6h54m09s
